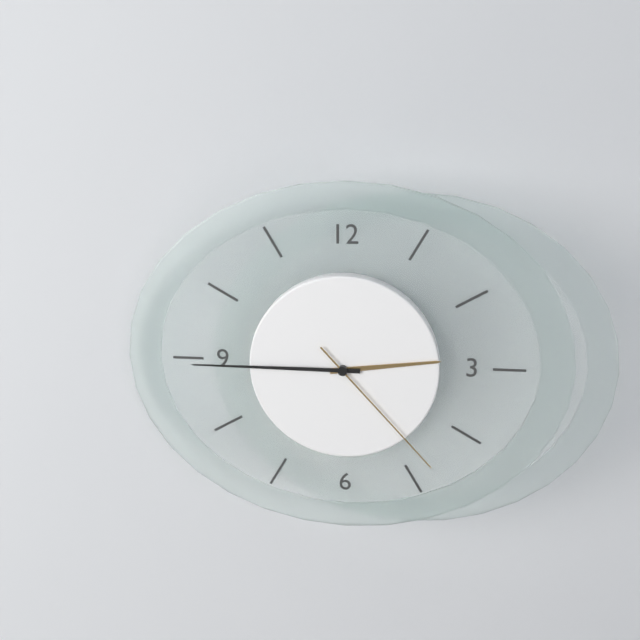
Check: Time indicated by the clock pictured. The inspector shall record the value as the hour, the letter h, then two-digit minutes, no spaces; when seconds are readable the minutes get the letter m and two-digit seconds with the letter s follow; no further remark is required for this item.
2h45m23s
